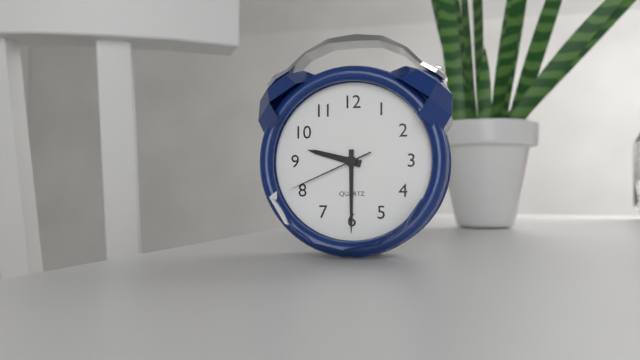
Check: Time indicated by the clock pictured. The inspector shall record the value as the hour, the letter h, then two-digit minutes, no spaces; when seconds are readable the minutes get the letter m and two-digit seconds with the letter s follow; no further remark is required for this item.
9h30m41s
